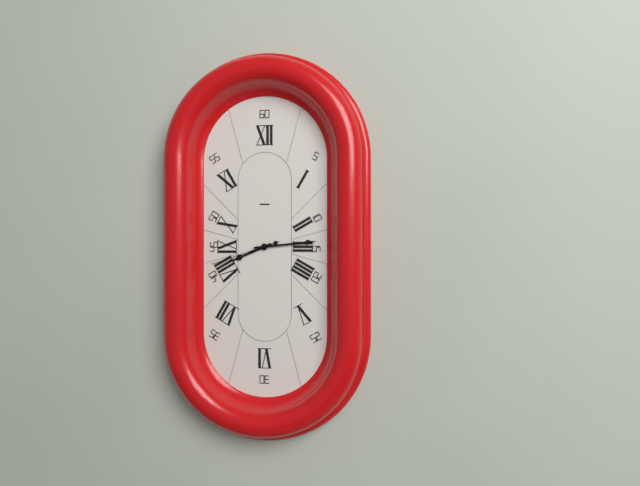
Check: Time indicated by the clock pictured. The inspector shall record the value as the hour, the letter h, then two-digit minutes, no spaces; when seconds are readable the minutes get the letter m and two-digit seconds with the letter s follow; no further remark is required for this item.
8h14m42s
